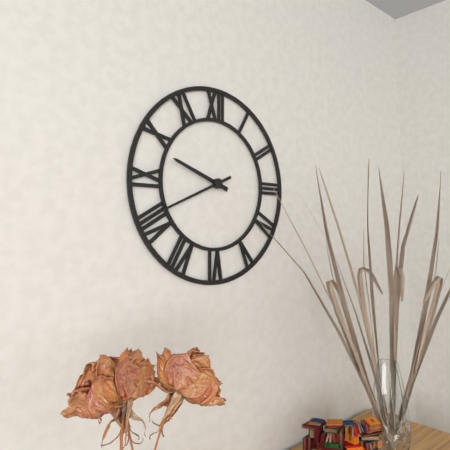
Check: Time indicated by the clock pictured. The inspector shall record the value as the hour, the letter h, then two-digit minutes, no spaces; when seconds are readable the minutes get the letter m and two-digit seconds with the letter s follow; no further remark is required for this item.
9h41
